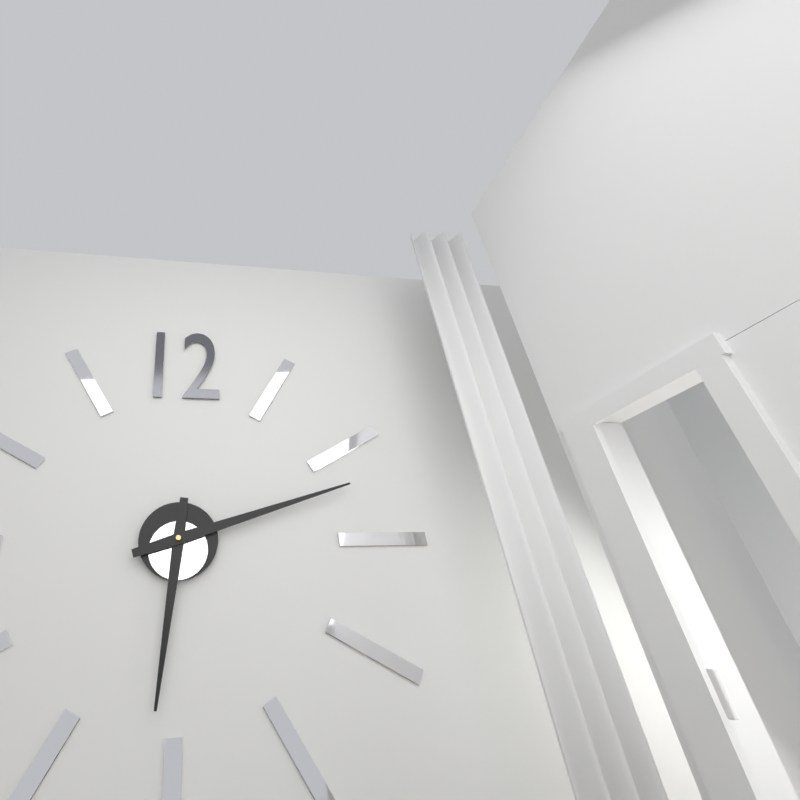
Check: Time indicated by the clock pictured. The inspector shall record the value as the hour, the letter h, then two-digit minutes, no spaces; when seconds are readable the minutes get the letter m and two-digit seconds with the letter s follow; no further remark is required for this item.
6h12
